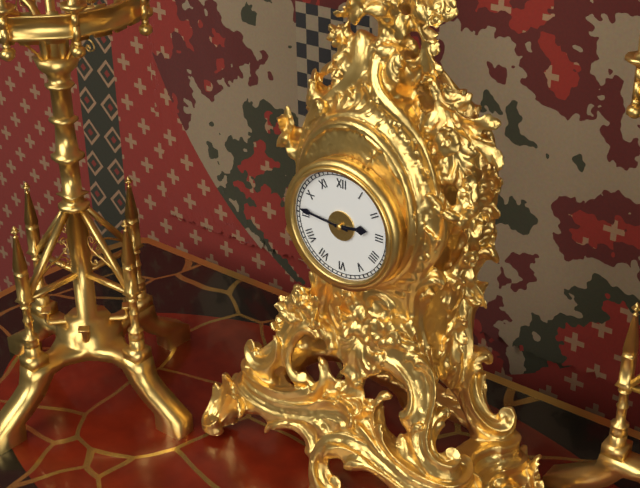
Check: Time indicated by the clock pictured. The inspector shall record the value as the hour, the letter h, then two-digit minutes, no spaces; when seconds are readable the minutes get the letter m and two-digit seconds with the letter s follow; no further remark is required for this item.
2h46
